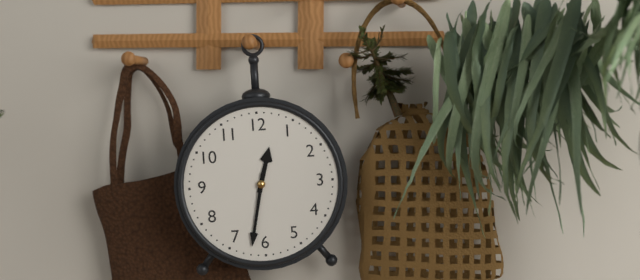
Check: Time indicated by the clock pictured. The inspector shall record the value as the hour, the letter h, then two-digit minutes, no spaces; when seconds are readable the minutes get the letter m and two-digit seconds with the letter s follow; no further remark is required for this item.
12h32
